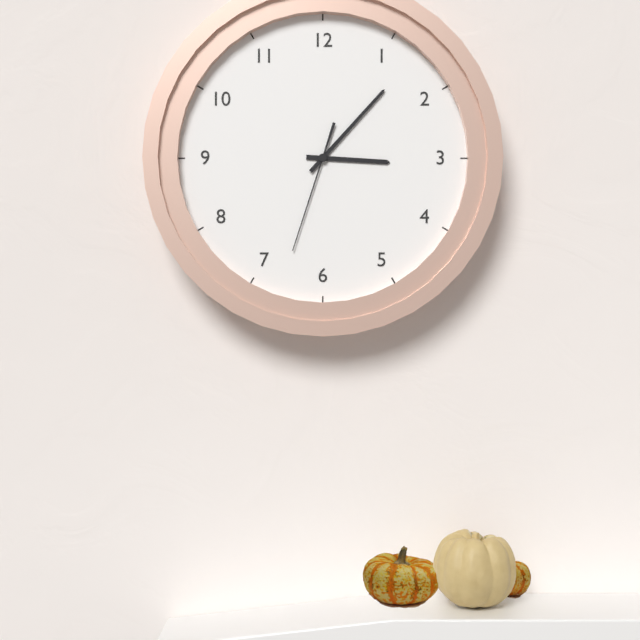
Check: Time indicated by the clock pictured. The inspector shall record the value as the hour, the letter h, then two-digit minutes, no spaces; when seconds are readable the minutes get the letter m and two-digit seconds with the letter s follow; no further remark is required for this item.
3h07m33s
